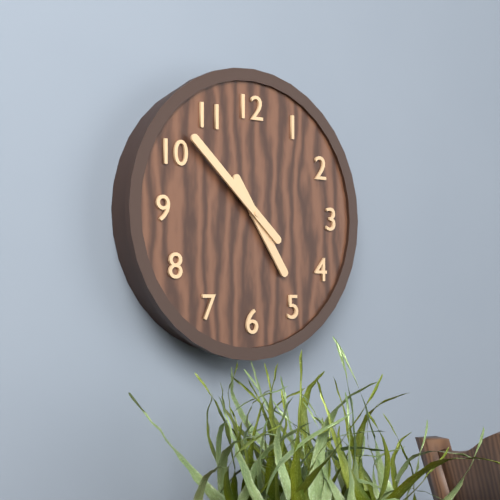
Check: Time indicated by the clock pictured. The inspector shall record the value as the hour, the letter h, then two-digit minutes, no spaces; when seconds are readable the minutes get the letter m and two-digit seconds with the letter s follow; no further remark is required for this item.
4h52
